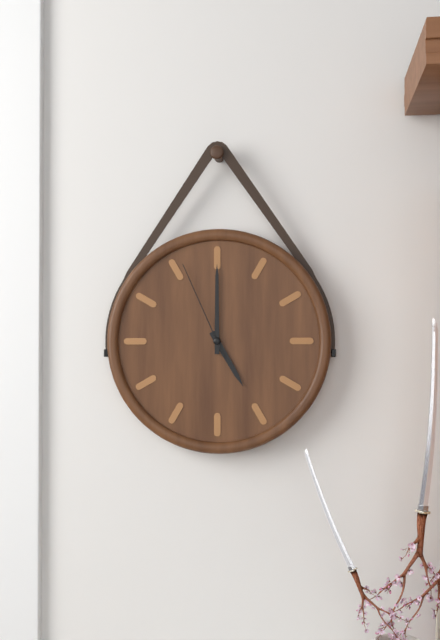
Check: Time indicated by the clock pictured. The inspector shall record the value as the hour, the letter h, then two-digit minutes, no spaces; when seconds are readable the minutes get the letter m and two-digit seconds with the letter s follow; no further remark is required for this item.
5h00m56s
